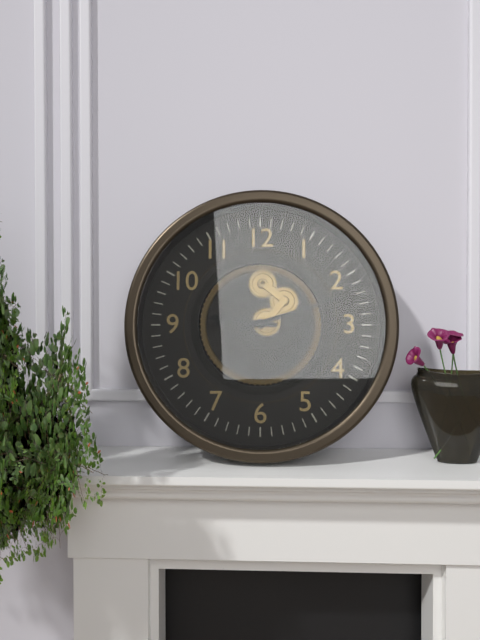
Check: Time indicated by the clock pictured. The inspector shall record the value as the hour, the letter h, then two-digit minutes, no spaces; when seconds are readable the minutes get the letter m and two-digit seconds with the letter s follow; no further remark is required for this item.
9h12
